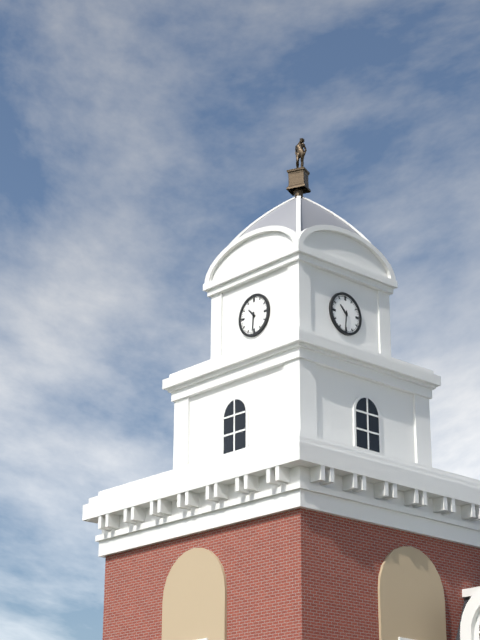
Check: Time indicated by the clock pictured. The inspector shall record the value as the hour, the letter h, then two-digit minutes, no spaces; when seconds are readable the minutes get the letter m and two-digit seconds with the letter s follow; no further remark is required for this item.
10h31
